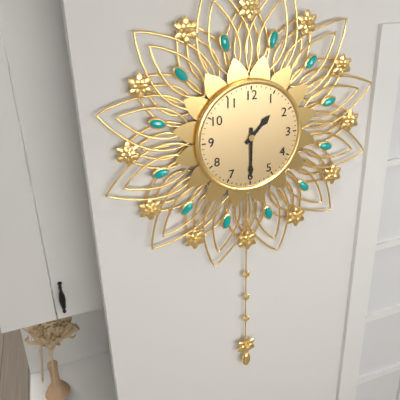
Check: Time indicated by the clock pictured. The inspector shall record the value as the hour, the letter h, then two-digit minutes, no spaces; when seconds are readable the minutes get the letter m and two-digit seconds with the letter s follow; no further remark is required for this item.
1h30
